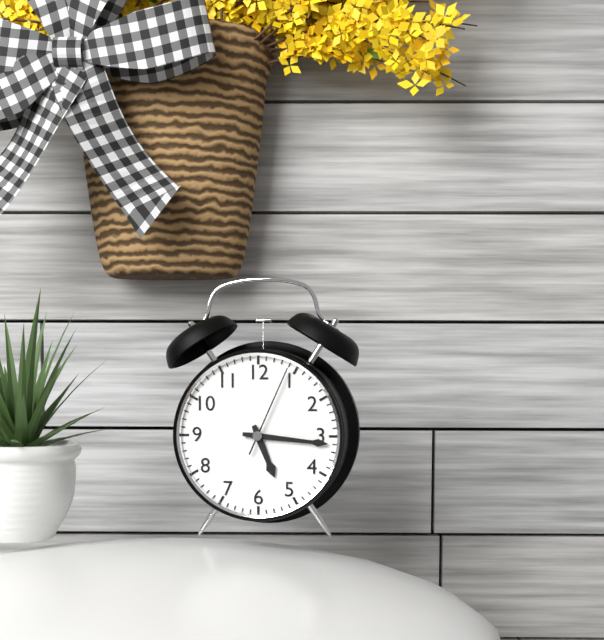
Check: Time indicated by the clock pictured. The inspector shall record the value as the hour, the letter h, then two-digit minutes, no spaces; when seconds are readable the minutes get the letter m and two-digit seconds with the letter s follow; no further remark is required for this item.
5h16m04s
